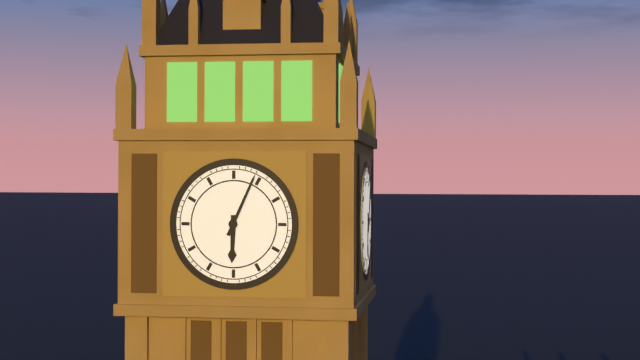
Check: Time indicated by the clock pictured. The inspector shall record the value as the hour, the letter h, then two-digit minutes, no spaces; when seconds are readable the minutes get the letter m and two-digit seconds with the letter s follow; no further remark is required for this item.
6h04
